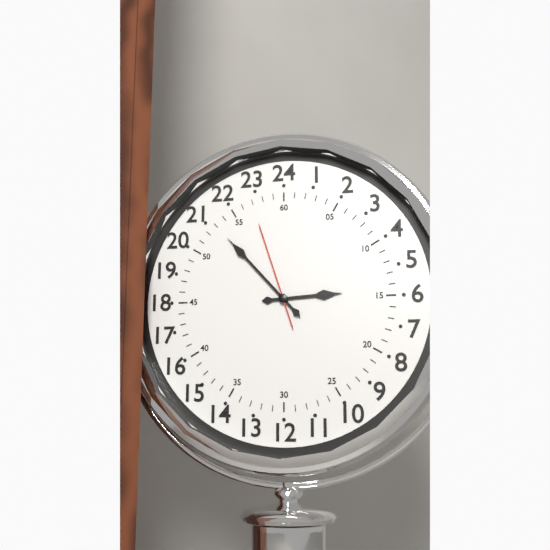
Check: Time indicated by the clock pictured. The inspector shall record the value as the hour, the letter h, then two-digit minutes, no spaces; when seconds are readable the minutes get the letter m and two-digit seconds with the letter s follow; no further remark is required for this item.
2h53m57s
